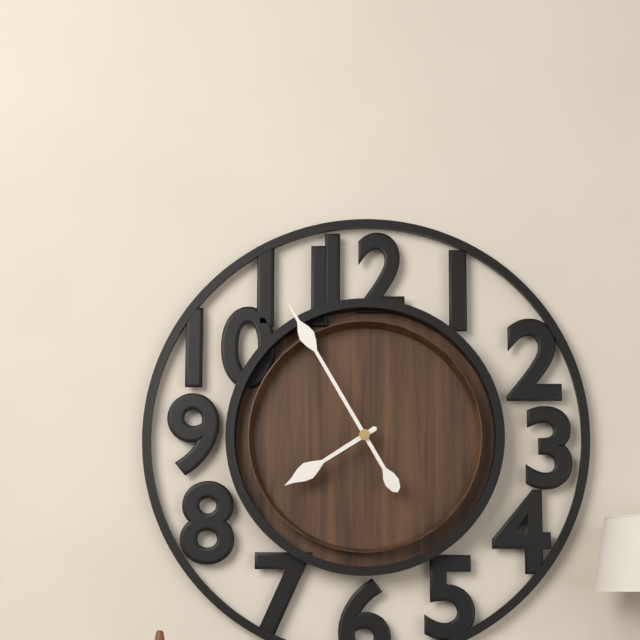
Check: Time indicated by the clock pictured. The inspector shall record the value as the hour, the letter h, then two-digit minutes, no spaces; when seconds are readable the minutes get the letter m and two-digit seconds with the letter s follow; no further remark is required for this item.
7h55
